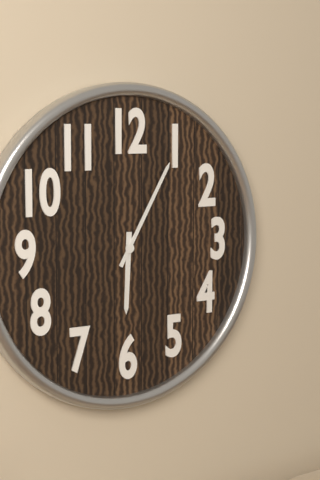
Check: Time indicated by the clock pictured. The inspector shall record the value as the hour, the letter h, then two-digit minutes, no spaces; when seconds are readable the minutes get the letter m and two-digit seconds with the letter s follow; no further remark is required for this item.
6h05
